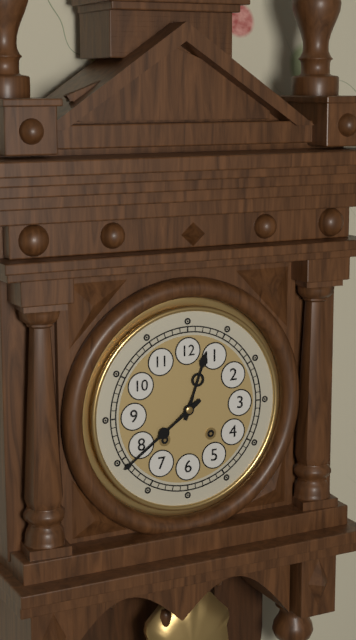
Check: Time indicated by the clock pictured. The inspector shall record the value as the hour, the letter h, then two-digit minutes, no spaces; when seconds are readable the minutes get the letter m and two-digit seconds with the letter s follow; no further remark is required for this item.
12h39
